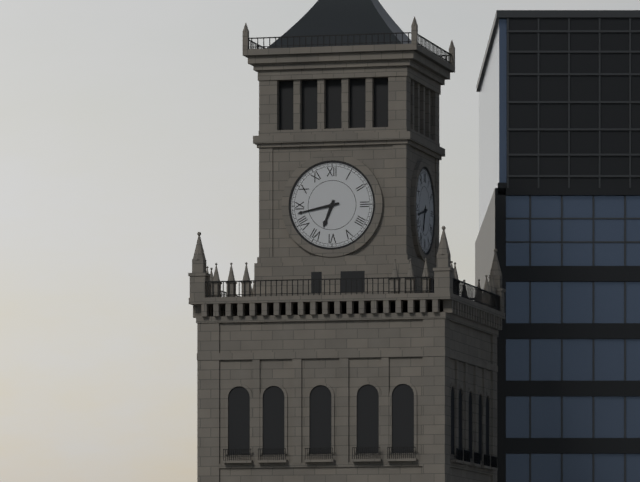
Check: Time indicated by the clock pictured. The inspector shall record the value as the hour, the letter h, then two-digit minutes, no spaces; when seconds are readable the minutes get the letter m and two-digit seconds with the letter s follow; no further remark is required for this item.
6h43
